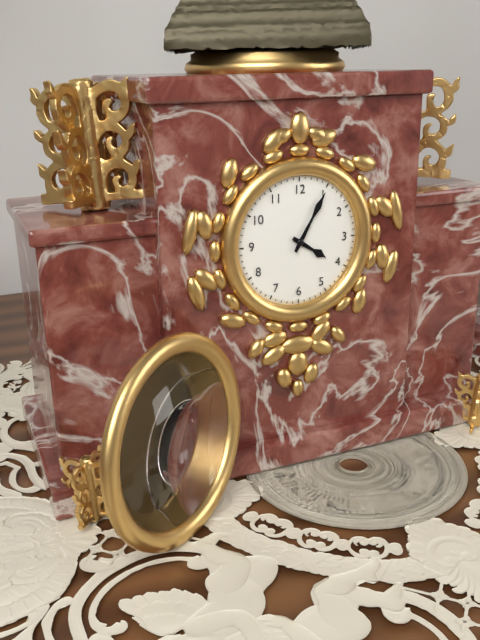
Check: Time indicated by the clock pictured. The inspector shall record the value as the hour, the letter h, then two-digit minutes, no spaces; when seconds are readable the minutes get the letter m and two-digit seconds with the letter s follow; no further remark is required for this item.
4h05
